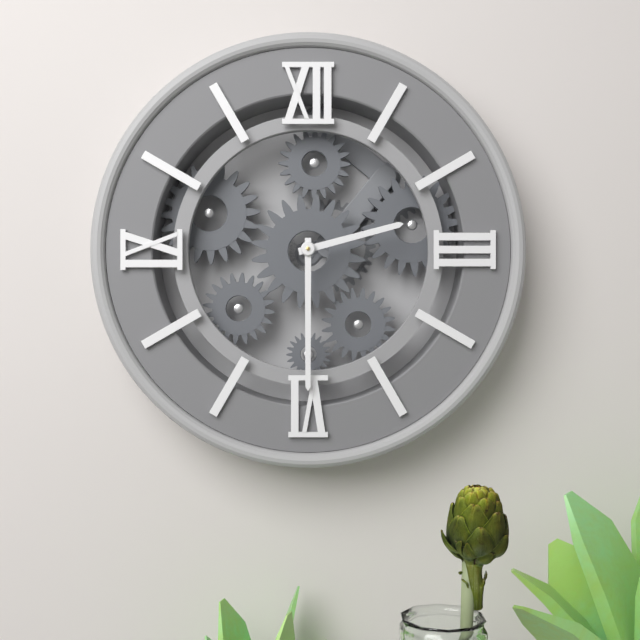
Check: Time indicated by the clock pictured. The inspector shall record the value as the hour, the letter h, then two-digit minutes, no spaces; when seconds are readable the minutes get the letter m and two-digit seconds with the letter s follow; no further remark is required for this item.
2h30
